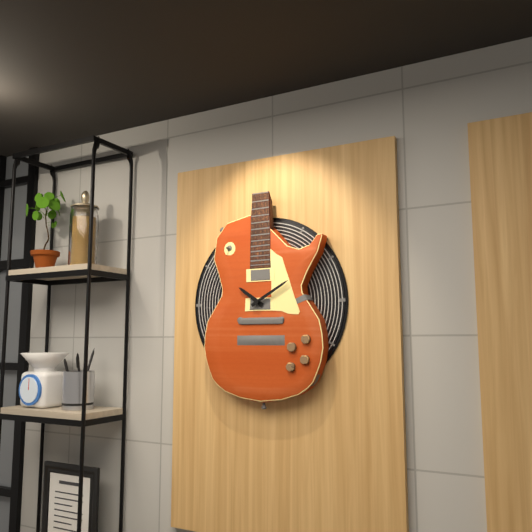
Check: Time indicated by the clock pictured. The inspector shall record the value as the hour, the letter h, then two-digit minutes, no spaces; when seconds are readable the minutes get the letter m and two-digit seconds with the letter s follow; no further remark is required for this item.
10h10
